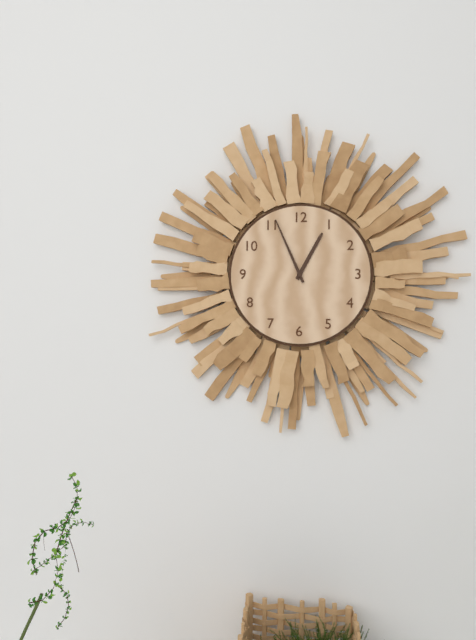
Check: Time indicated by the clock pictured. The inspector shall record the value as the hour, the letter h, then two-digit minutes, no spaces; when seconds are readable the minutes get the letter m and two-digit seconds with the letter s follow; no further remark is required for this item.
12h56
